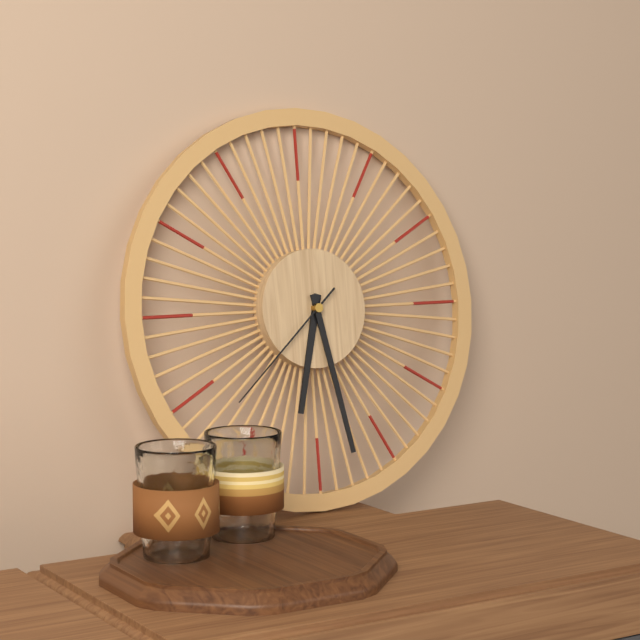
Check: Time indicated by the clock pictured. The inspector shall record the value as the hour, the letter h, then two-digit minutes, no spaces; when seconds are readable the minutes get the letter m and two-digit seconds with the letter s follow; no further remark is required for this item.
6h28m38s
